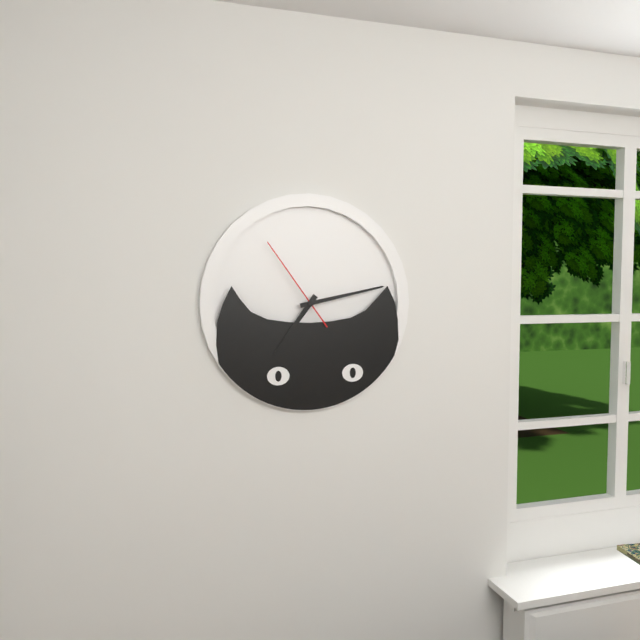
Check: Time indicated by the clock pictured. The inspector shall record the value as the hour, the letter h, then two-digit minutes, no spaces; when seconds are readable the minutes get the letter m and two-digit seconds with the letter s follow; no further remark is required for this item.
7h13m54s
